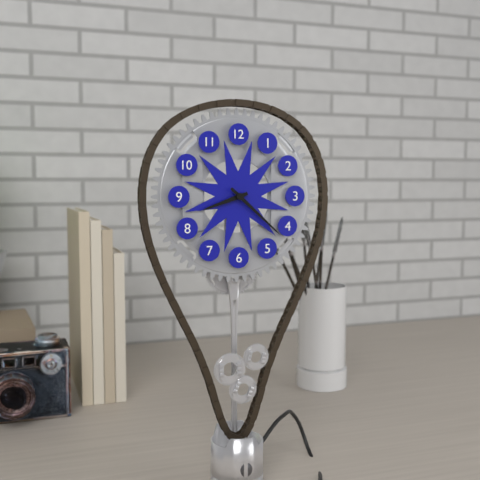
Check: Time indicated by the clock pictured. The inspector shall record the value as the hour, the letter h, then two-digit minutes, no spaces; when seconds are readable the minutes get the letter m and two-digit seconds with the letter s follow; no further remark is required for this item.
8h22
